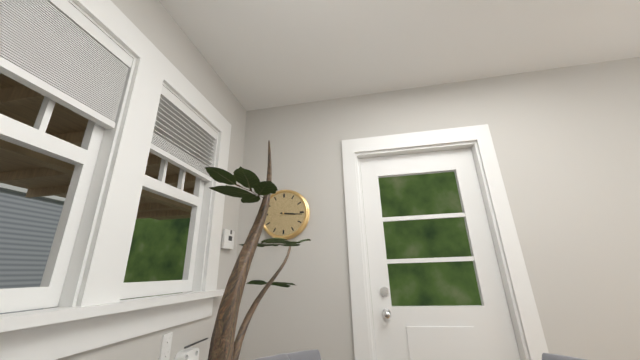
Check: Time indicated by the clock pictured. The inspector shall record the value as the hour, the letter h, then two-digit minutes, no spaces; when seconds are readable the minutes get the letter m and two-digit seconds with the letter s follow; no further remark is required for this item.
3h16
